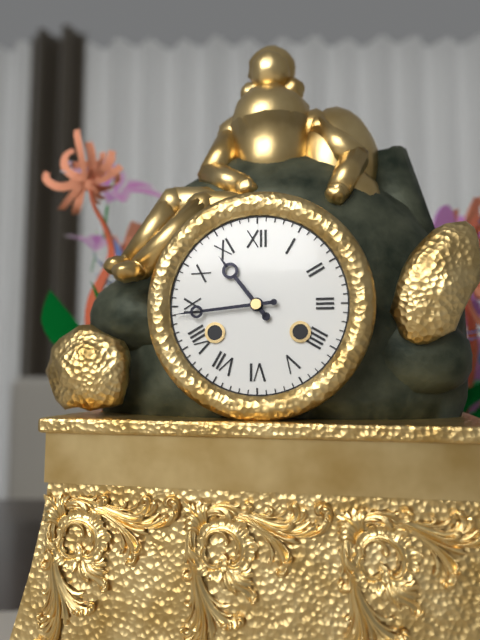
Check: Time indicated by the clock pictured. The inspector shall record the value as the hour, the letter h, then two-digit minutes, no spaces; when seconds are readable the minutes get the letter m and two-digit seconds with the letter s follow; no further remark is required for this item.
10h44
